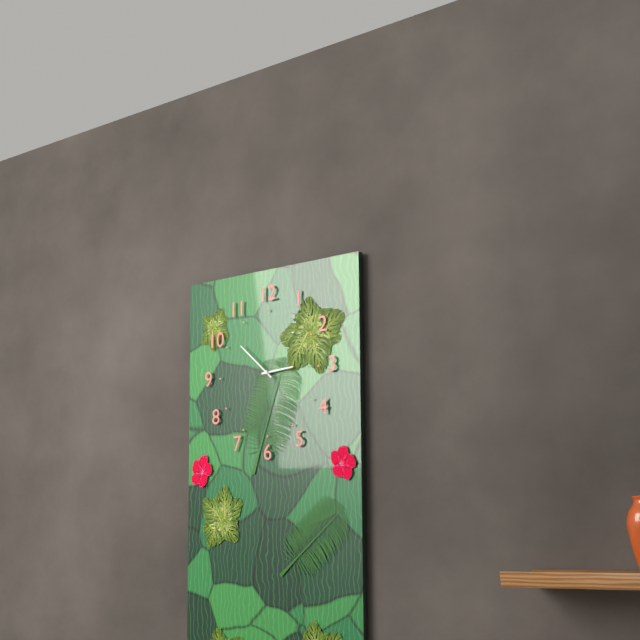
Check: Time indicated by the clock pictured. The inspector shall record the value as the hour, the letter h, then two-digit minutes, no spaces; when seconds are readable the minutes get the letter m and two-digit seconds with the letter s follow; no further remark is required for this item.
2h52
